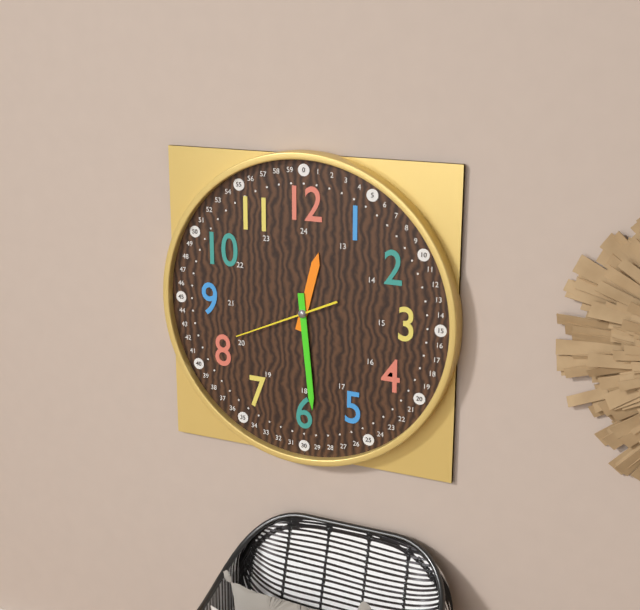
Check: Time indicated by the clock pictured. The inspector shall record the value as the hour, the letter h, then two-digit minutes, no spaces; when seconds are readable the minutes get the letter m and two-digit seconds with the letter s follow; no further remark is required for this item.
12h29m41s
